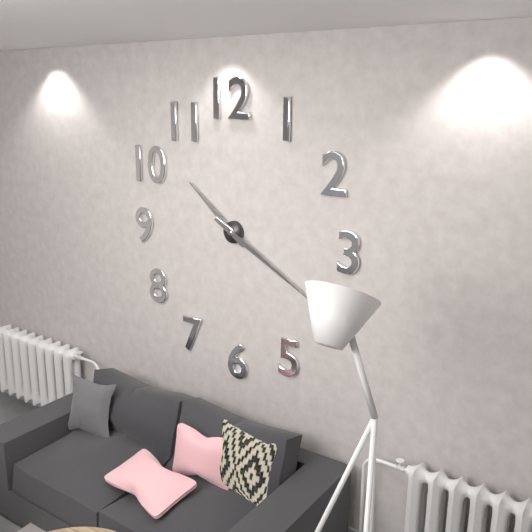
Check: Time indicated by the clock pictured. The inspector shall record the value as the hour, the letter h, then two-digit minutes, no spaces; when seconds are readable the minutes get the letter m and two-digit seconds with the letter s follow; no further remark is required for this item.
10h20
